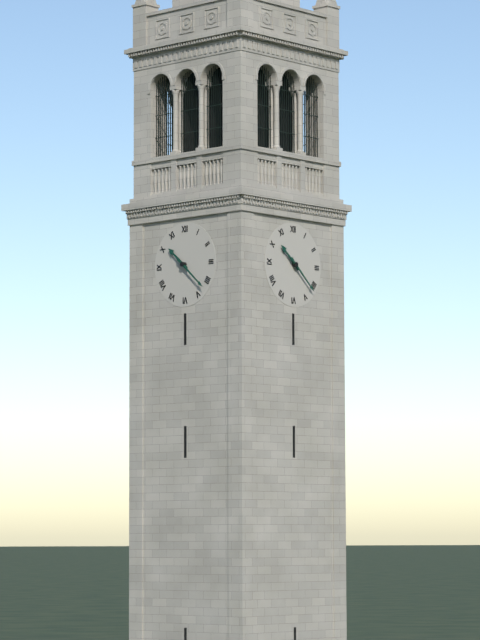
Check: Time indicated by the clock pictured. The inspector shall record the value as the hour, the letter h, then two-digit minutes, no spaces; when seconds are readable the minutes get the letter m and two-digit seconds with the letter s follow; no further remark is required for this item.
10h22
